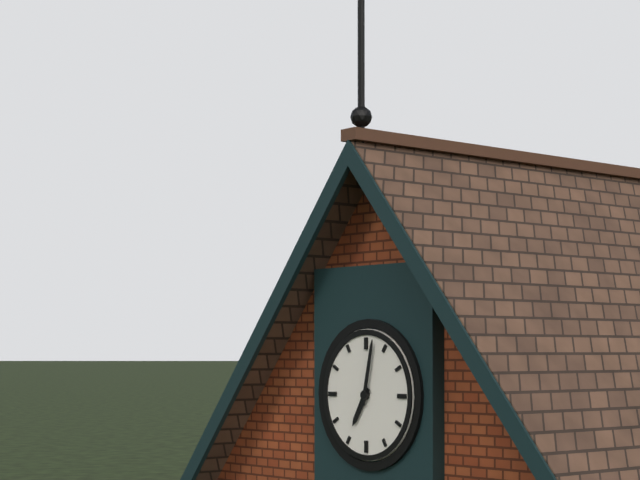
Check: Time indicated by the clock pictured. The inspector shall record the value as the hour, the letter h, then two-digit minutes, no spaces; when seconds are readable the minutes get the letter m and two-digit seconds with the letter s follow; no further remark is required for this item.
7h02
